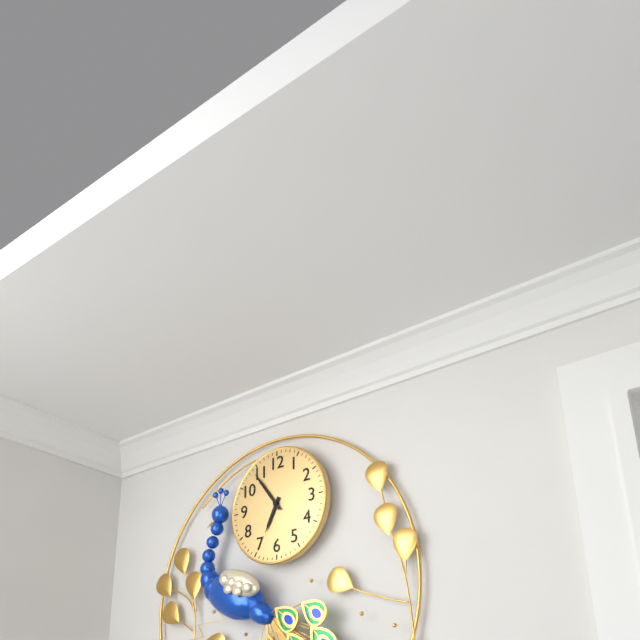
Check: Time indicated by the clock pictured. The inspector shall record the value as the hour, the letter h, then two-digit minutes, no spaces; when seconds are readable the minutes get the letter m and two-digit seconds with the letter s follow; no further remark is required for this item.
6h54
